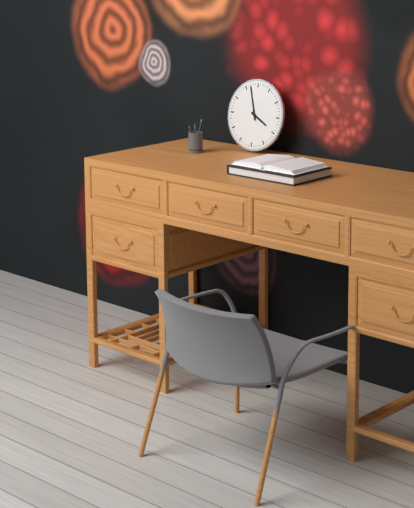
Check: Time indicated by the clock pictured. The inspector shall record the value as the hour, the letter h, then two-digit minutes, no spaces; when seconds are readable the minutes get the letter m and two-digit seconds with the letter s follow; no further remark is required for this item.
3h57
